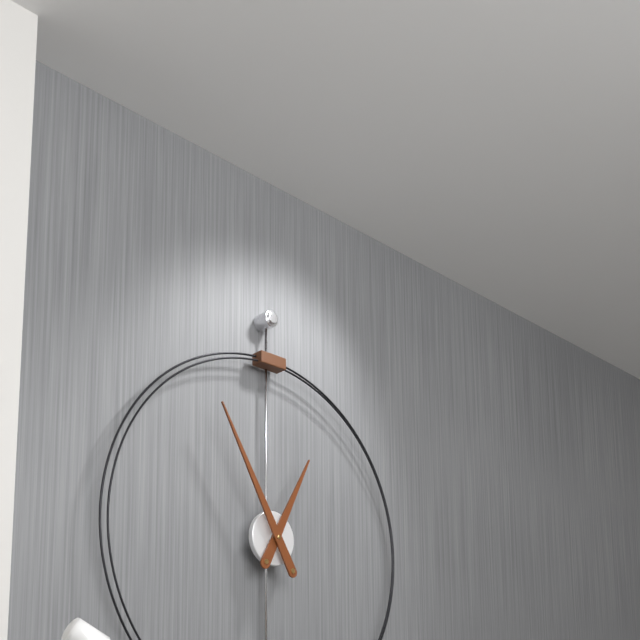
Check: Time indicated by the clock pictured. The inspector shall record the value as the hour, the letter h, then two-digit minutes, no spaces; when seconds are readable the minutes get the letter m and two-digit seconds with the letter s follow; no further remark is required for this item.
12h55
